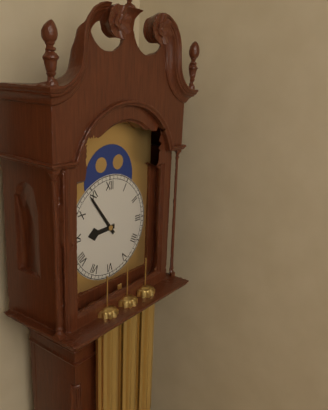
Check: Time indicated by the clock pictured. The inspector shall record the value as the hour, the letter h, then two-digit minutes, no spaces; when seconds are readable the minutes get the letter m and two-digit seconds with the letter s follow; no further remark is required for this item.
8h54
